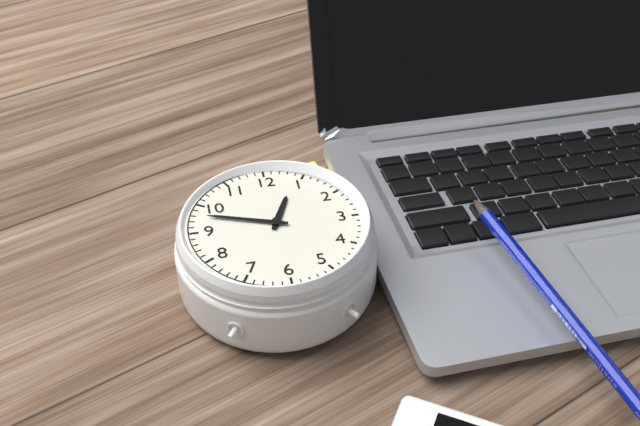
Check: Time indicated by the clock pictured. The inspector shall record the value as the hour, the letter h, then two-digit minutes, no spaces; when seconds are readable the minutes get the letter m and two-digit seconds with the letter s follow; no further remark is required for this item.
12h48
